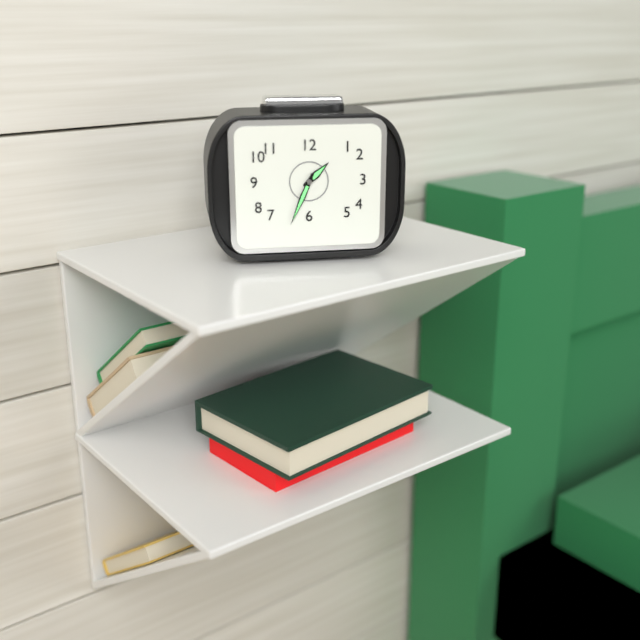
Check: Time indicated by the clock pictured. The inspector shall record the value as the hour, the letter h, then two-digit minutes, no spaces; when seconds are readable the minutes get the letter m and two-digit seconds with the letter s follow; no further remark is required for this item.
1h34
